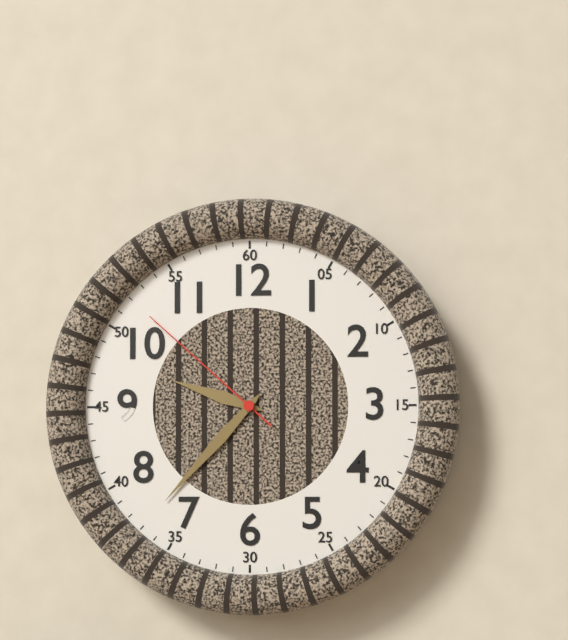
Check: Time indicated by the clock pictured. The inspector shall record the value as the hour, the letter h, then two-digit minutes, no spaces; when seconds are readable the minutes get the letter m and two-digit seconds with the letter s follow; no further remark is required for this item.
9h37m52s
